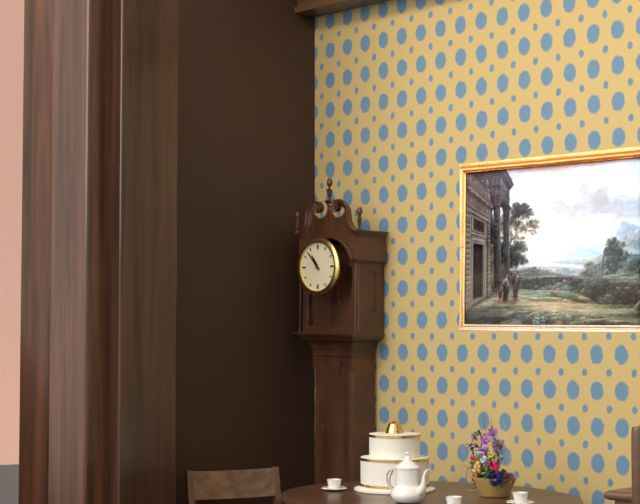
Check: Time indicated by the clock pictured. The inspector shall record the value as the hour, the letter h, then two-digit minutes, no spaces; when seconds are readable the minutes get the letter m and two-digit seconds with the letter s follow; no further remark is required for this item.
10h53
